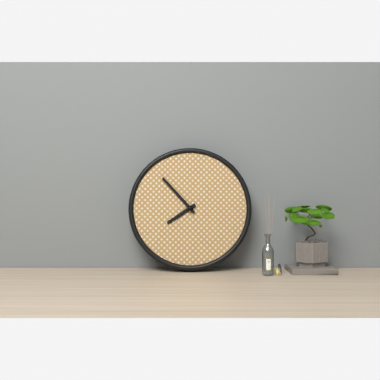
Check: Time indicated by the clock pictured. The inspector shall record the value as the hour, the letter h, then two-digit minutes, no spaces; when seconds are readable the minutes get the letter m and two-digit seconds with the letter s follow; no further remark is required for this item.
7h53
